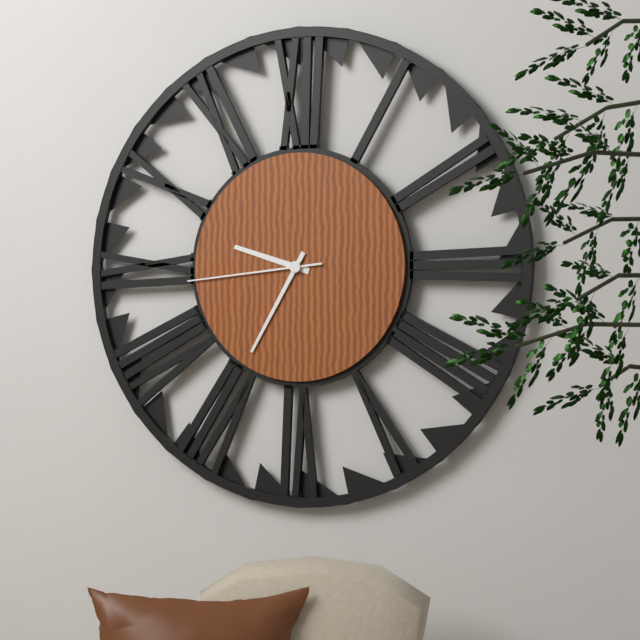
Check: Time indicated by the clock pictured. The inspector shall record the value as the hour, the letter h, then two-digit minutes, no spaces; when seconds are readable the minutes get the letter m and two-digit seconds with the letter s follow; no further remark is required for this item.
9h35m44s
